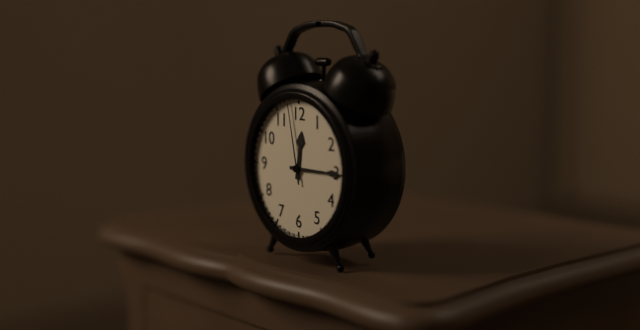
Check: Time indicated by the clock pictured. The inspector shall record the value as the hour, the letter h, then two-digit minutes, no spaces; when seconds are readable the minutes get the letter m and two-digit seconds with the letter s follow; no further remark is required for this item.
12h15m58s
